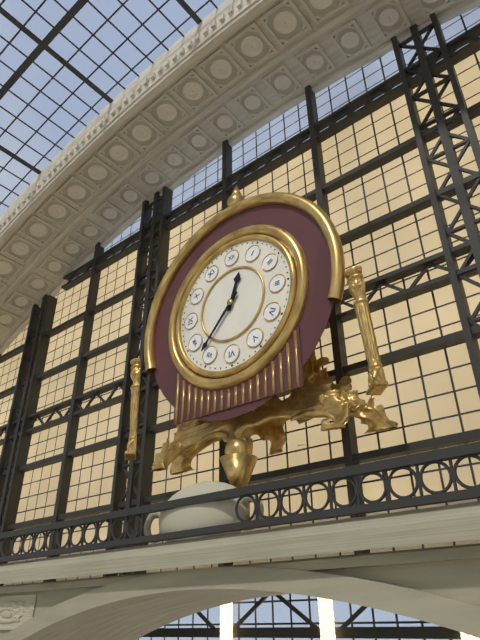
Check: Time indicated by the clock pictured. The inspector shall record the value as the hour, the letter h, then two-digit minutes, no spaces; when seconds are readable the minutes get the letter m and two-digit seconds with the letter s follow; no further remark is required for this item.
12h37
